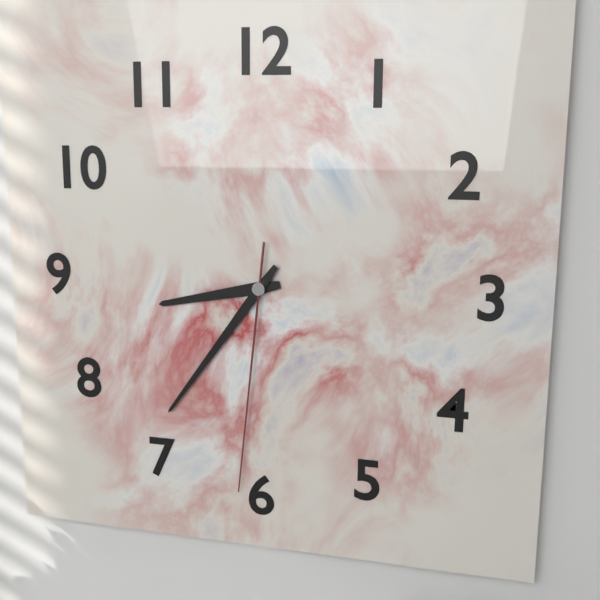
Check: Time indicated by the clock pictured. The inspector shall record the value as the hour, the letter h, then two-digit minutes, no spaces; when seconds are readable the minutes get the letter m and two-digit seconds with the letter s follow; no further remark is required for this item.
8h36m31s
